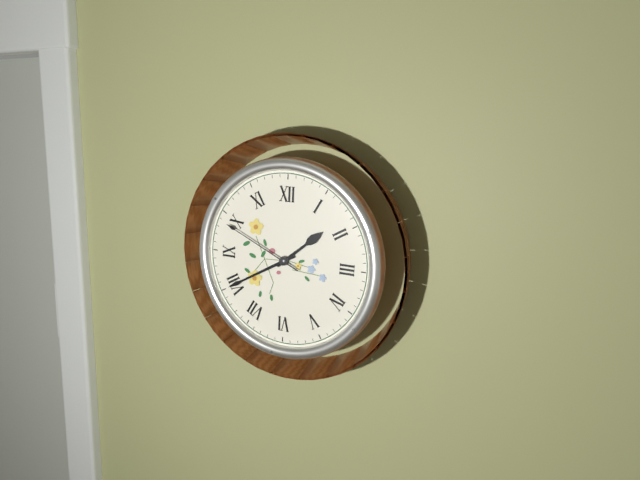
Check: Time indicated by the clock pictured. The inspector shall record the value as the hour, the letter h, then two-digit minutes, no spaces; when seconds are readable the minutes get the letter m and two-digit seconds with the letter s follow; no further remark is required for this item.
1h40m49s
